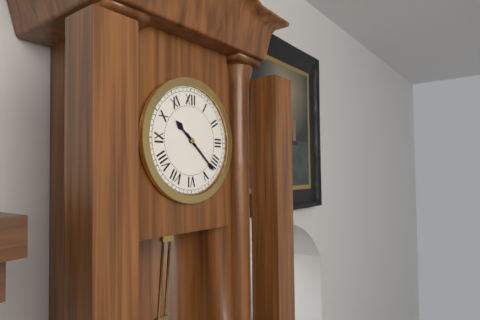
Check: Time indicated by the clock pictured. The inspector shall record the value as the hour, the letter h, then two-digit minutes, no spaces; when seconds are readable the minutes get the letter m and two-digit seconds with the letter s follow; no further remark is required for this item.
10h22
